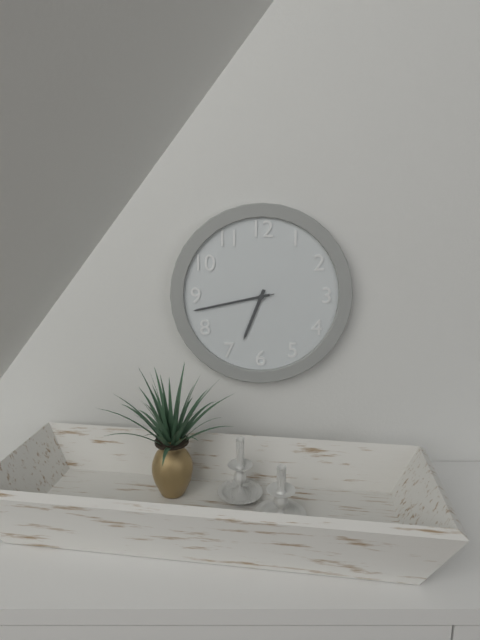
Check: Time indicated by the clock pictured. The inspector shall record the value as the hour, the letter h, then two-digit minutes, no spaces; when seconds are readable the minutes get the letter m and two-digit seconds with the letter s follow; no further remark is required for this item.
6h43m43s
